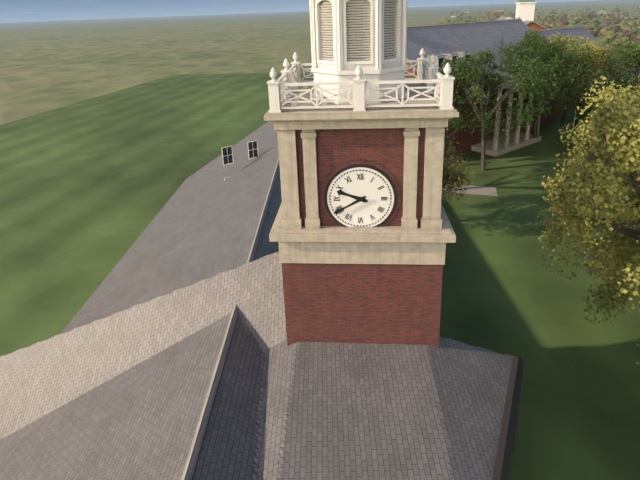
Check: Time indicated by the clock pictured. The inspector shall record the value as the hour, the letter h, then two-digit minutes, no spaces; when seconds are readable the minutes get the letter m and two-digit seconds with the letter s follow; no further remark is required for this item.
9h40
